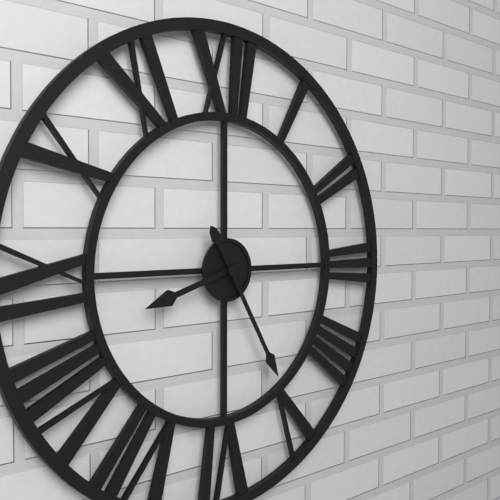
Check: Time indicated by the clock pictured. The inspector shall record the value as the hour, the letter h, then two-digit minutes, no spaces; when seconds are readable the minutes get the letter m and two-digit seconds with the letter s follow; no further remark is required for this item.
8h25
